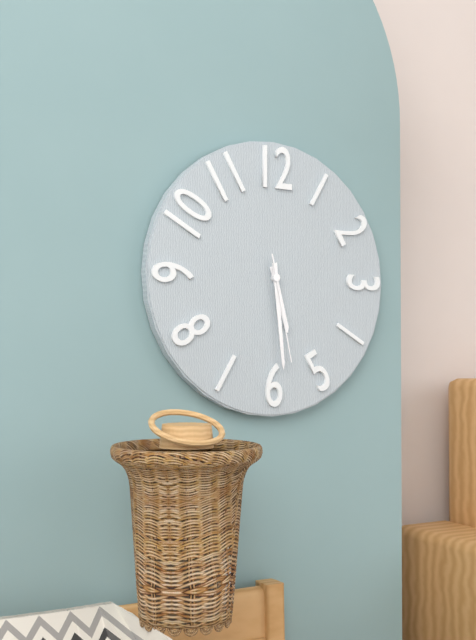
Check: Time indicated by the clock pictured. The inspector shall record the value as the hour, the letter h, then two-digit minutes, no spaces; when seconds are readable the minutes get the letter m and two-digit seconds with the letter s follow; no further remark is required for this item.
5h29m28s
